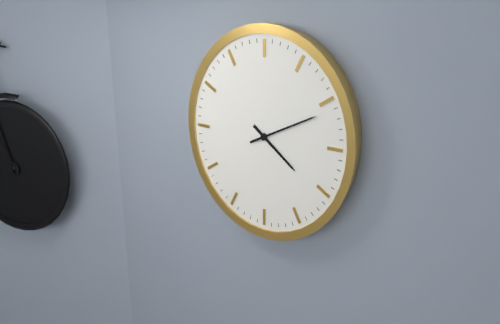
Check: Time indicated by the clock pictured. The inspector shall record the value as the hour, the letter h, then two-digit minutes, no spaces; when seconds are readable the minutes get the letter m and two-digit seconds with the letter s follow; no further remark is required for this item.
4h11
